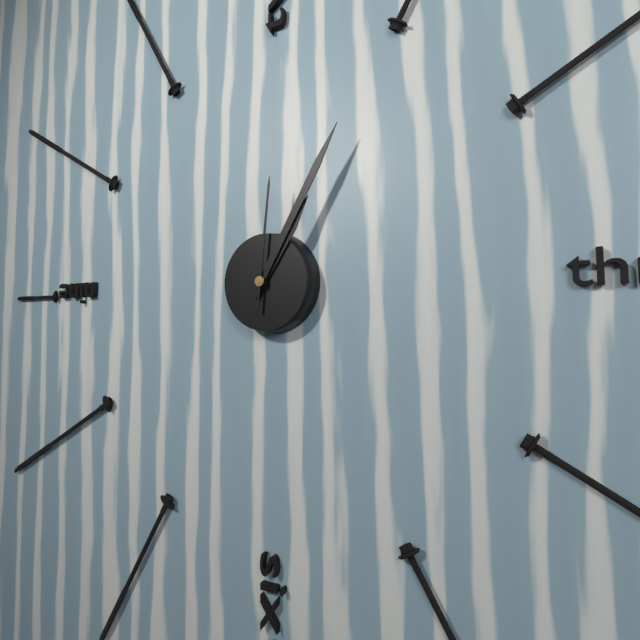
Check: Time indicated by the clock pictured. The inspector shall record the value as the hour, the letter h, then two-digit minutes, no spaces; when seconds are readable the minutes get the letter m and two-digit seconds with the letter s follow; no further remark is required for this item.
1h05m01s
